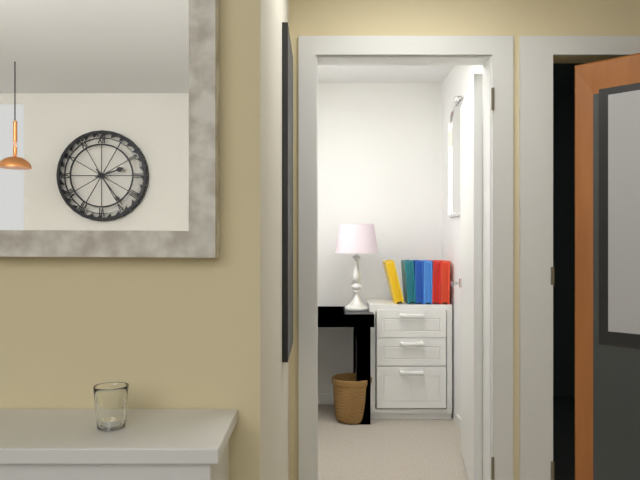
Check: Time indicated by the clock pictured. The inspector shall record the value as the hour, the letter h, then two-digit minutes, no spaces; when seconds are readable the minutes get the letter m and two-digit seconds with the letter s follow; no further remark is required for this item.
2h24
